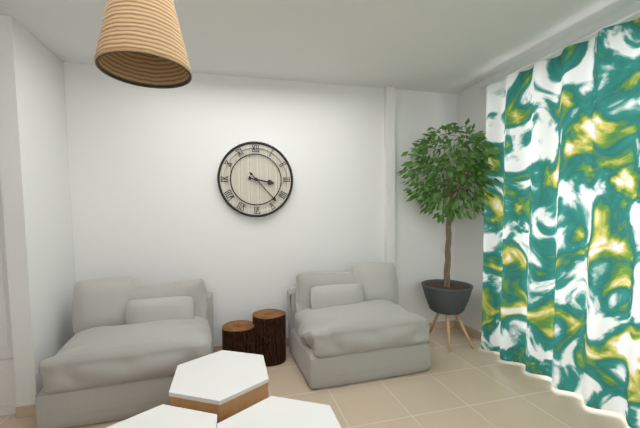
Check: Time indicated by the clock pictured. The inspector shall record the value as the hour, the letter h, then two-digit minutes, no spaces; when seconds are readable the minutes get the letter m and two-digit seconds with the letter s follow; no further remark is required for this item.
3h23
